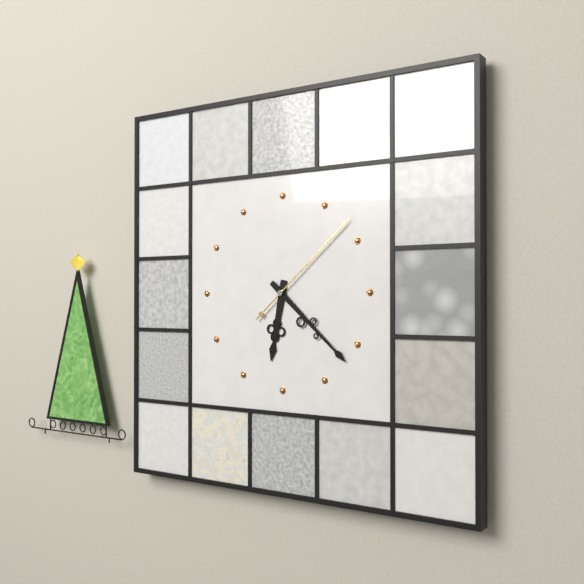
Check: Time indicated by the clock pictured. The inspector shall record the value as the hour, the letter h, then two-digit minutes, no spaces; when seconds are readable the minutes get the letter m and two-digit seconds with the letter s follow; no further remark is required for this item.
6h22m08s
